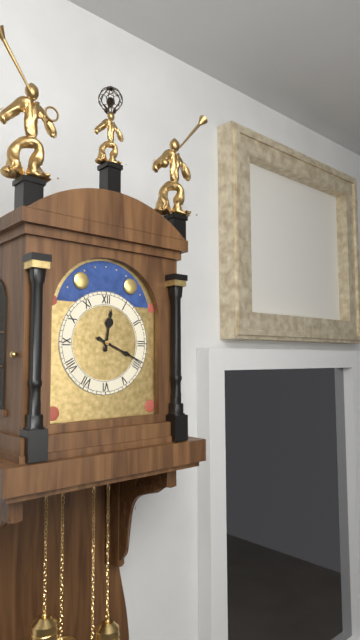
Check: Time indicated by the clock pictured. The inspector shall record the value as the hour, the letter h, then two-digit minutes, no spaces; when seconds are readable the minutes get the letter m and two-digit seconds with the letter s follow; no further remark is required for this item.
12h19
